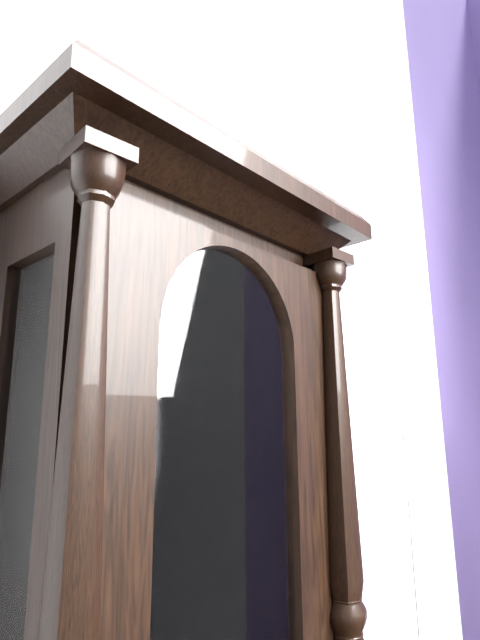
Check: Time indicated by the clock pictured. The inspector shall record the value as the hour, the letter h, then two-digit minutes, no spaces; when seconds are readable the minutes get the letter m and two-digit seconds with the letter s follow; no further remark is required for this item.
4h39
